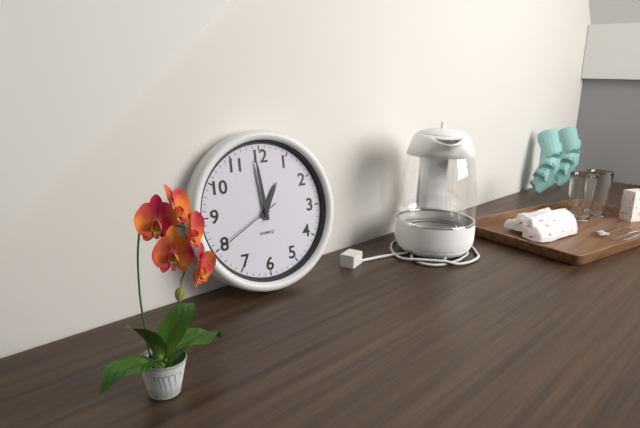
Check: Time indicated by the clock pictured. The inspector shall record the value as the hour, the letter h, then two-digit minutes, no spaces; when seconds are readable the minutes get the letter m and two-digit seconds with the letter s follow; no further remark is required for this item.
12h59m40s
